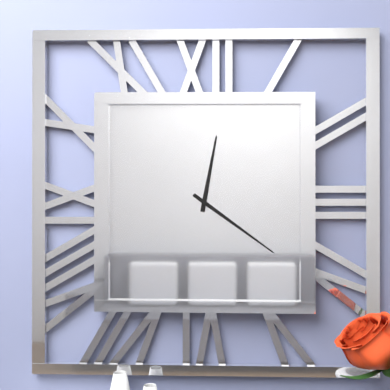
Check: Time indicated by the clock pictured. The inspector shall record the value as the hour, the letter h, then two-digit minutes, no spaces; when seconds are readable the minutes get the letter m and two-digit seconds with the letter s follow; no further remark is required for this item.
12h21
